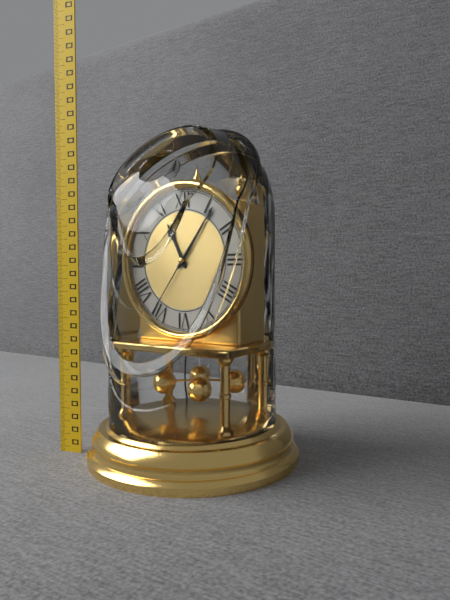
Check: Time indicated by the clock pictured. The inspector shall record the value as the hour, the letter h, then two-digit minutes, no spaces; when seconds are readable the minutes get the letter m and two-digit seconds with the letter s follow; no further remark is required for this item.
11h06m36s
